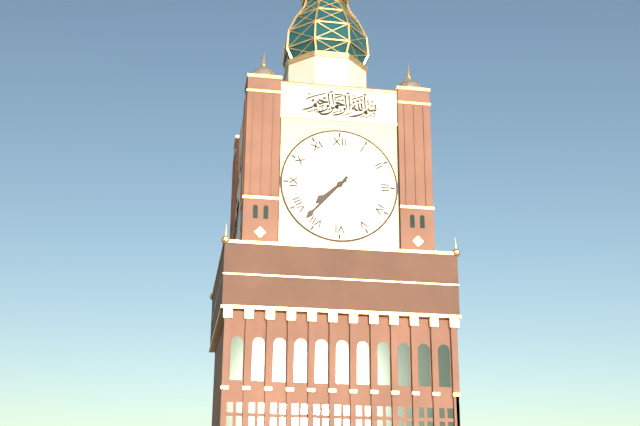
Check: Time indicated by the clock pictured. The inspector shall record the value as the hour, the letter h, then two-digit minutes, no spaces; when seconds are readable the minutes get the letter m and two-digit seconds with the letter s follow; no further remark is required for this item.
7h37
